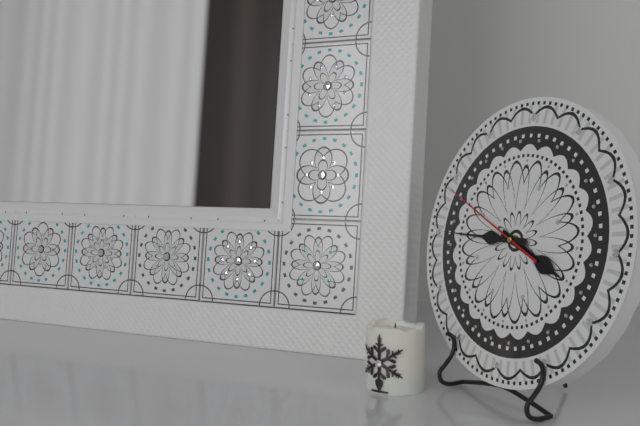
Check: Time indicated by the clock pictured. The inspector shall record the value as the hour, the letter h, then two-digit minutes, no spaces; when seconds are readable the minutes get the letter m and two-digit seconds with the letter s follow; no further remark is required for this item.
3h45m49s
